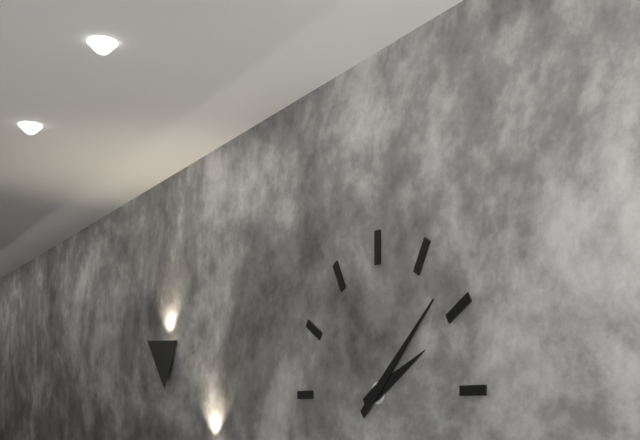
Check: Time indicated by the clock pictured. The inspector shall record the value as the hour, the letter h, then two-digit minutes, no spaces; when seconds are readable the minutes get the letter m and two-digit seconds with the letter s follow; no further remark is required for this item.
2h08
